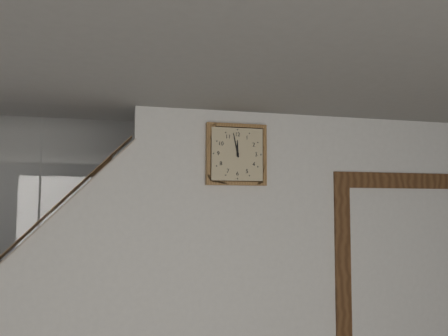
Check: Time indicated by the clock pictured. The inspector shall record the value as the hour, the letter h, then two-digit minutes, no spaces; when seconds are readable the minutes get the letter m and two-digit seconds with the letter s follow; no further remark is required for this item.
11h58
